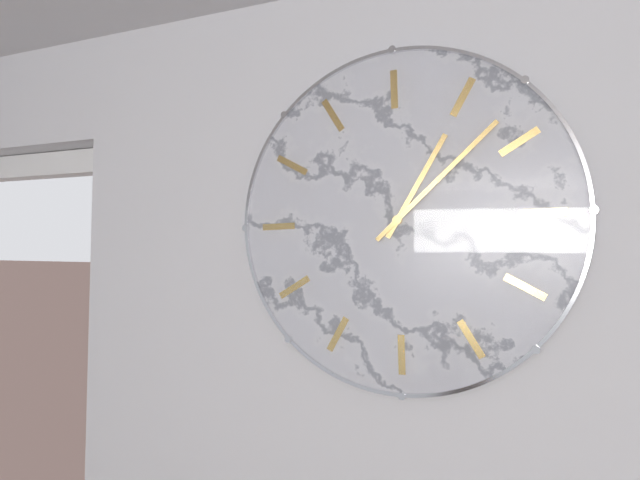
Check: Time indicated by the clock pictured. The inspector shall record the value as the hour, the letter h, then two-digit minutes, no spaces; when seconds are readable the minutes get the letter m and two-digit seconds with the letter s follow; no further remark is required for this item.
12h03
